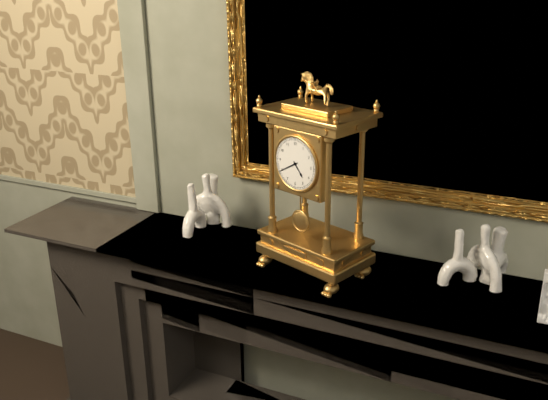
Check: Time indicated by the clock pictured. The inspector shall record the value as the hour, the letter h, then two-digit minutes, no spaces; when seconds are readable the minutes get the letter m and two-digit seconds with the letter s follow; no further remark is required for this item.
4h40
